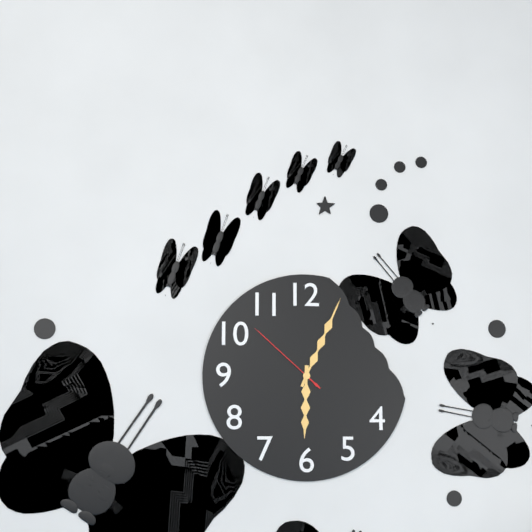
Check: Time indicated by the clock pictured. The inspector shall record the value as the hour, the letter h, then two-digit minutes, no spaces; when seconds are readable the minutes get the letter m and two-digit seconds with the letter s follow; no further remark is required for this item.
6h04m52s
